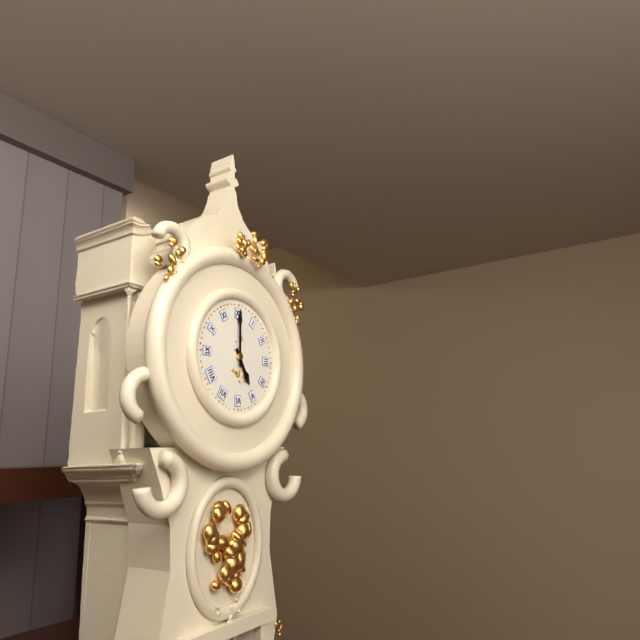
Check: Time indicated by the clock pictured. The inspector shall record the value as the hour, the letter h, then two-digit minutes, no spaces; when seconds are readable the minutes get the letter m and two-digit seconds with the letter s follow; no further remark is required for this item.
5h00
